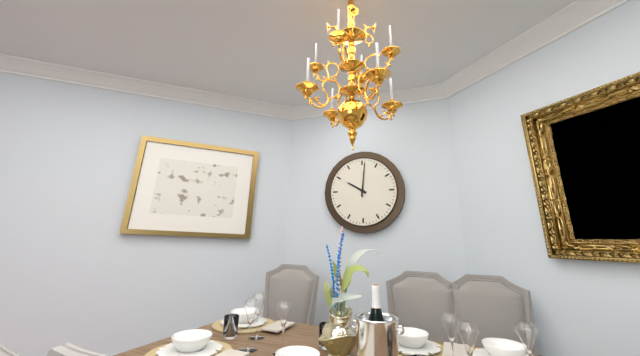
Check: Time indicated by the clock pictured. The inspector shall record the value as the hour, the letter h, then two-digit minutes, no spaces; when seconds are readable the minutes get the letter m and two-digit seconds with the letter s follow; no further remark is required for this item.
10h01
